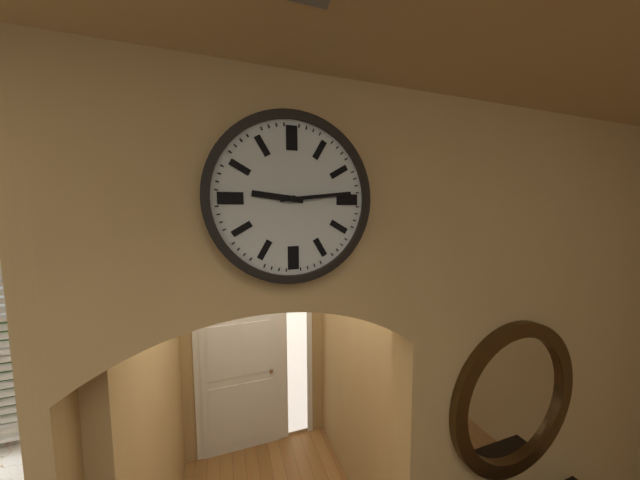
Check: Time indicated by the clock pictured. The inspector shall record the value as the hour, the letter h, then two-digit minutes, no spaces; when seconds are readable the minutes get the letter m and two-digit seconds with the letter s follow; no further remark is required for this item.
9h14
